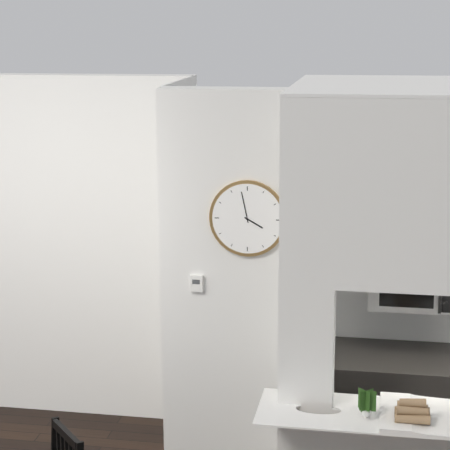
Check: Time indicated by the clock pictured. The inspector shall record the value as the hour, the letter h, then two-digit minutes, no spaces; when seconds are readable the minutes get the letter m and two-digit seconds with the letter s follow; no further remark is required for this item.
3h58
